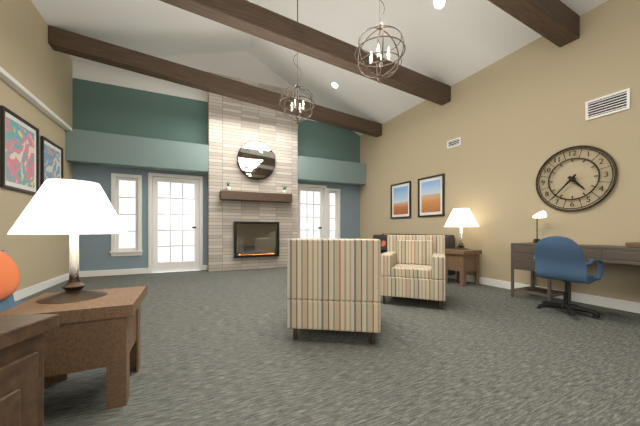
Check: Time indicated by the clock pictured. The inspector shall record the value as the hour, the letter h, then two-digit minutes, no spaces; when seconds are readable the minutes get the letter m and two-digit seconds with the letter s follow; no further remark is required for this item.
4h37
